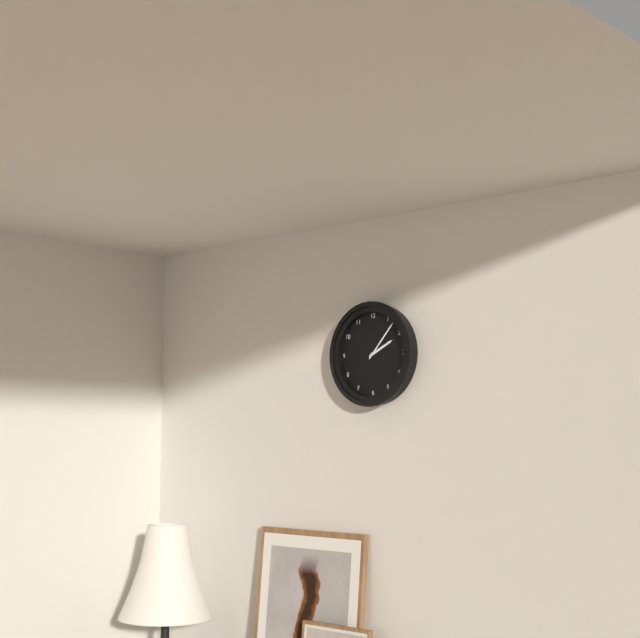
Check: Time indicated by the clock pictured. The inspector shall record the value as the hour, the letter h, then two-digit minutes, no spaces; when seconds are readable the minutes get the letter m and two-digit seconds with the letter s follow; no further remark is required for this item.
2h07
